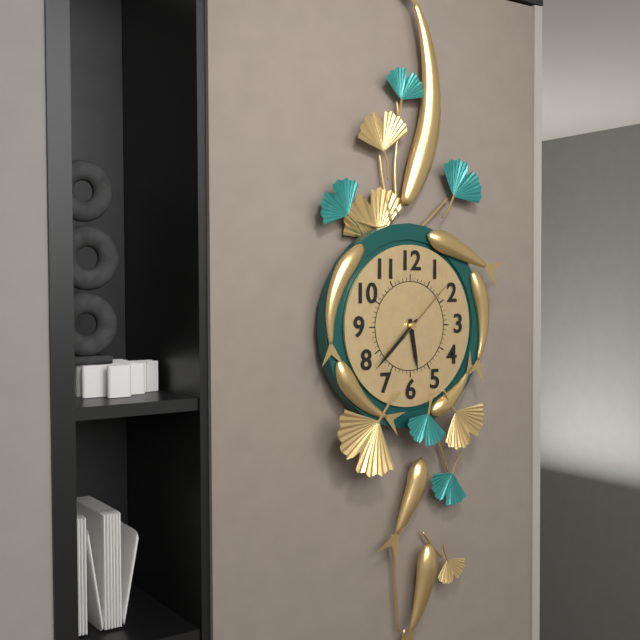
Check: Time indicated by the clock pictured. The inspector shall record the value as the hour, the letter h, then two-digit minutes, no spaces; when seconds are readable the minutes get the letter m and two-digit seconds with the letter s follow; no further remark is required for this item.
5h38m08s
